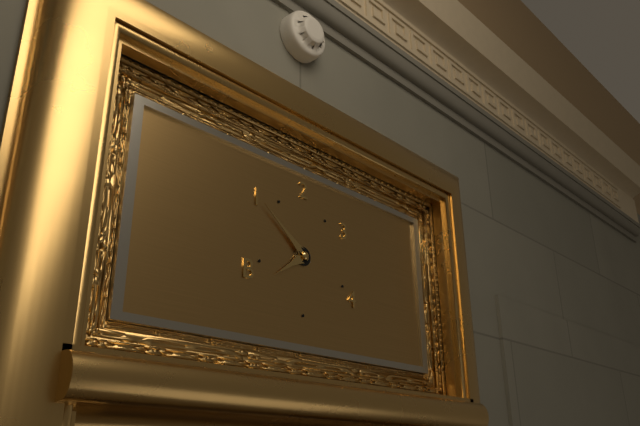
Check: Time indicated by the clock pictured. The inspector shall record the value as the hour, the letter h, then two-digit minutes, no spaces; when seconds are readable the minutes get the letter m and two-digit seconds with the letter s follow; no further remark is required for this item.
7h51
